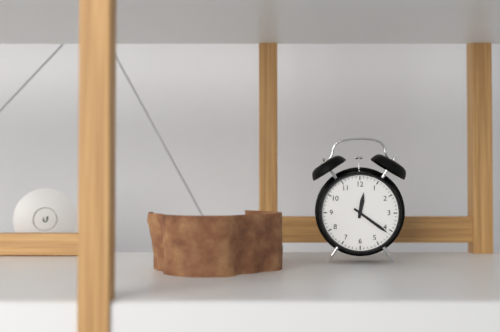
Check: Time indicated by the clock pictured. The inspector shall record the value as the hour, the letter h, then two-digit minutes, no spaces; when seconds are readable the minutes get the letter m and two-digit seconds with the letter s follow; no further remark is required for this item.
12h21
